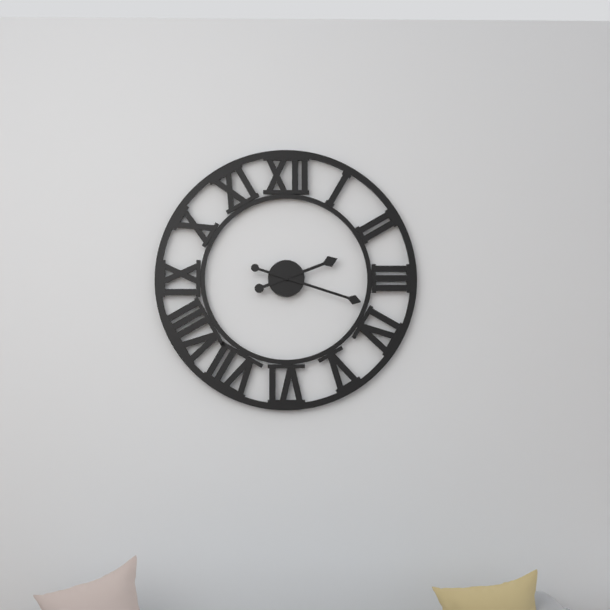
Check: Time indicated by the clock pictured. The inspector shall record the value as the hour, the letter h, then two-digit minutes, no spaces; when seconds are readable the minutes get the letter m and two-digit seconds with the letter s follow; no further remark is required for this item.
2h18
